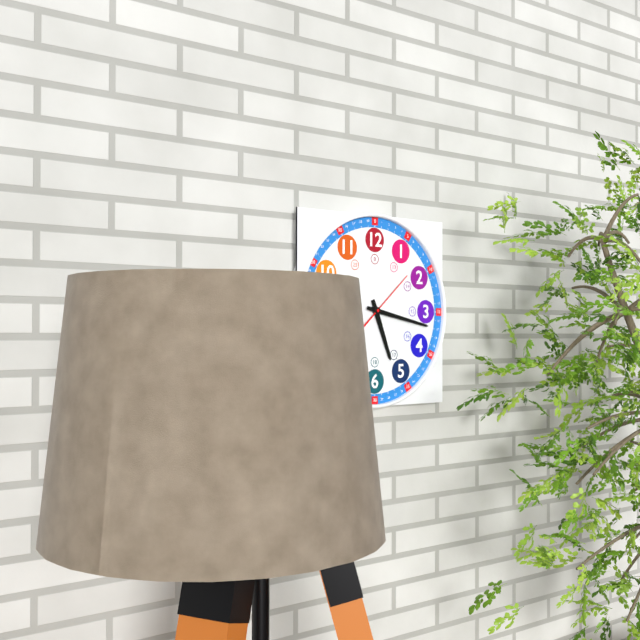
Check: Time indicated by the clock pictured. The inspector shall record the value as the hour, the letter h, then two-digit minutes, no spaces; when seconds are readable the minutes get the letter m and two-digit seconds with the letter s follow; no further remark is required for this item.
5h17m08s
